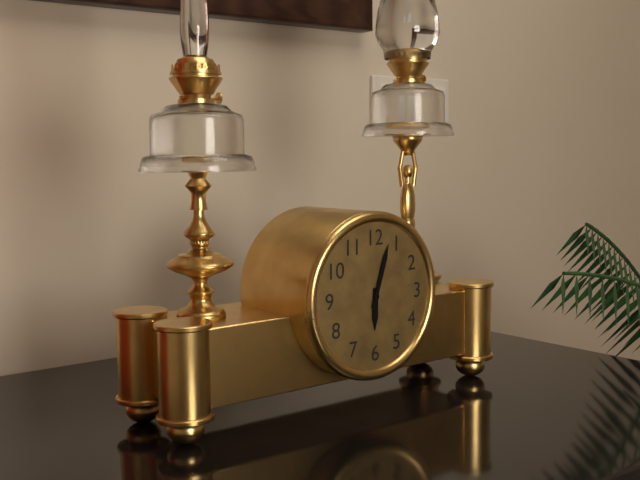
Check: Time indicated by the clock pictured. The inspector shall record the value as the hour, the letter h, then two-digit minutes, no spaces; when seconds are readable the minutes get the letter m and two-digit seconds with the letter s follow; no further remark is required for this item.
6h03
